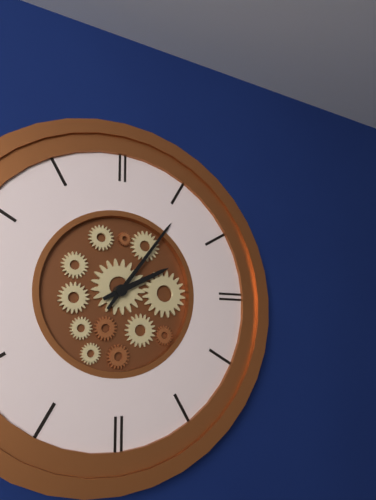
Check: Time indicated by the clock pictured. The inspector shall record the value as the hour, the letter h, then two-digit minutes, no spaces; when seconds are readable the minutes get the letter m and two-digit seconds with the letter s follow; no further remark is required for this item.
2h06
